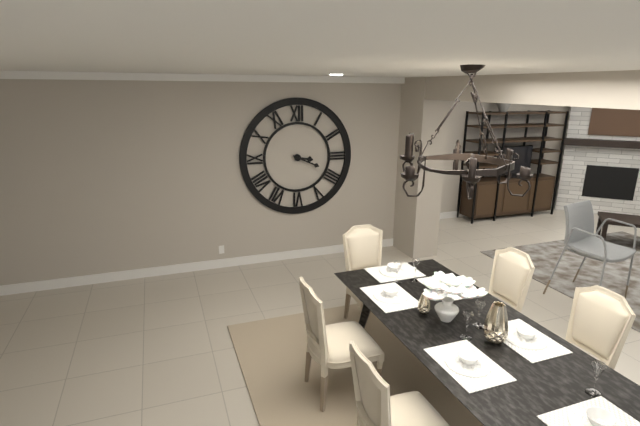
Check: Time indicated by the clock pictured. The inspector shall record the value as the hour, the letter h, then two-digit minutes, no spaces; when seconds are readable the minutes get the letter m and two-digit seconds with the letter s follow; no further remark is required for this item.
3h19
